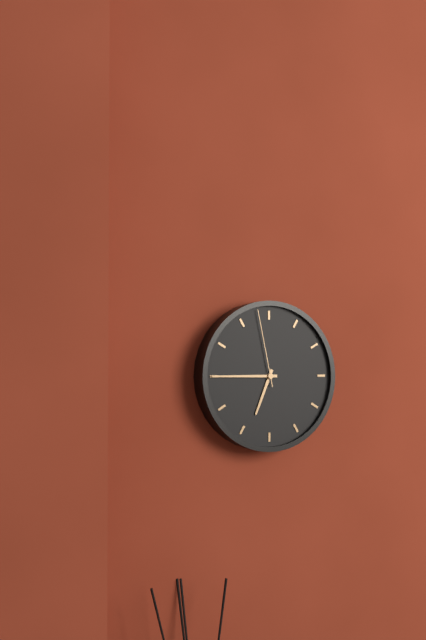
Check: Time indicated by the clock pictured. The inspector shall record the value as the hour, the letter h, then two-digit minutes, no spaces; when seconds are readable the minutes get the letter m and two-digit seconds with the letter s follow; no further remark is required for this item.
6h45m58s
